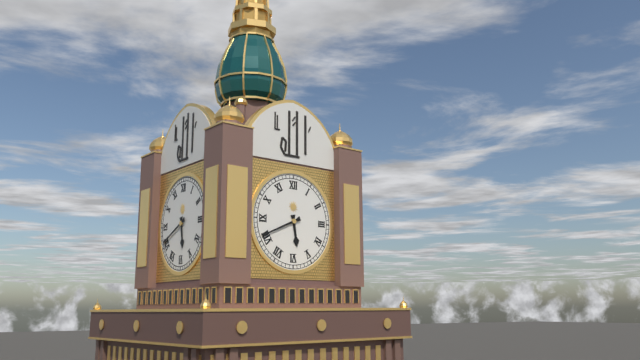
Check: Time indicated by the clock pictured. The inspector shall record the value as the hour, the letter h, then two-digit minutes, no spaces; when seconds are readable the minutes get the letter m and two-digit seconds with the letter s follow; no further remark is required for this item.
5h41
